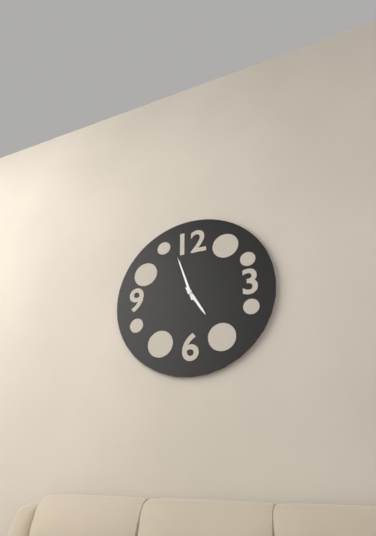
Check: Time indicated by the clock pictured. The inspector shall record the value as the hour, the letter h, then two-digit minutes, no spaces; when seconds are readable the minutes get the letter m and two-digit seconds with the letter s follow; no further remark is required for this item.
4h57
